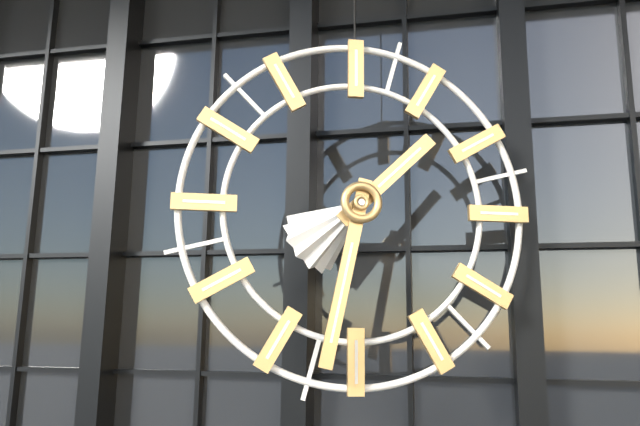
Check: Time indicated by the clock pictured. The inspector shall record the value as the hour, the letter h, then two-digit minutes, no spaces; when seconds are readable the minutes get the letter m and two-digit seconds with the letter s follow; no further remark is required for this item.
1h32
